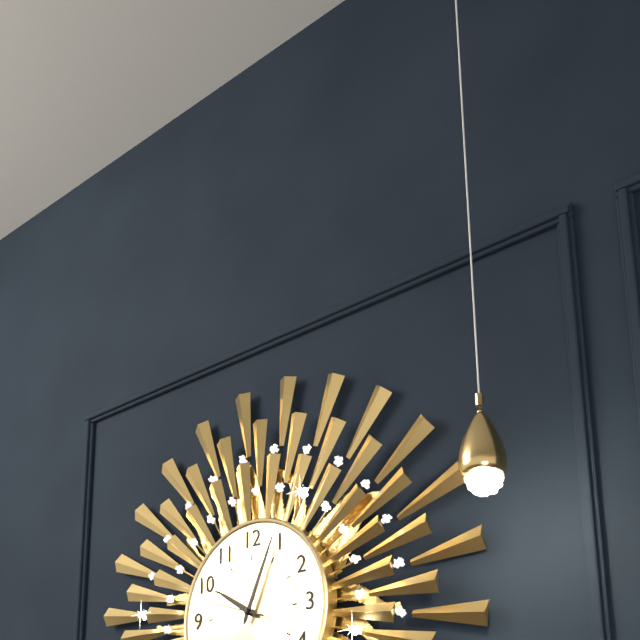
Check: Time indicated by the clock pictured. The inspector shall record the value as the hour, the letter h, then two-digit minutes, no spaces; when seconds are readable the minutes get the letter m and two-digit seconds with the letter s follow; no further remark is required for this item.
10h04m48s
